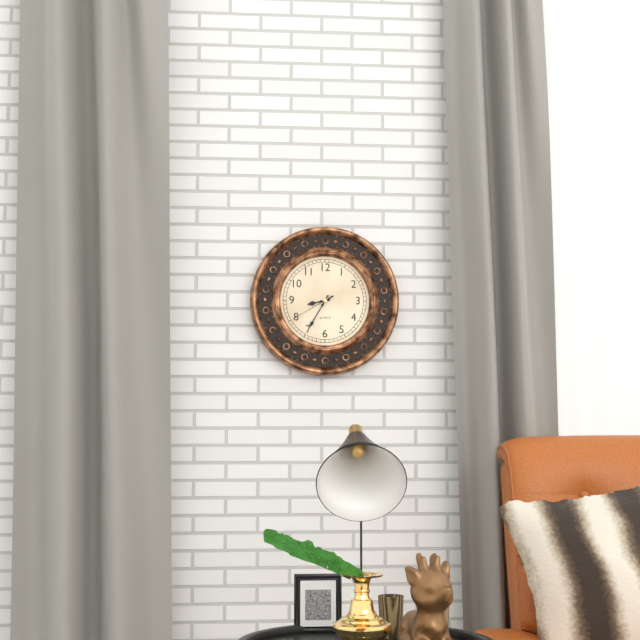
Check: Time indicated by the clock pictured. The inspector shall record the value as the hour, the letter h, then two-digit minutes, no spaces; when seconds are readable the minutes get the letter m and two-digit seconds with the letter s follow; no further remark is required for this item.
8h35
